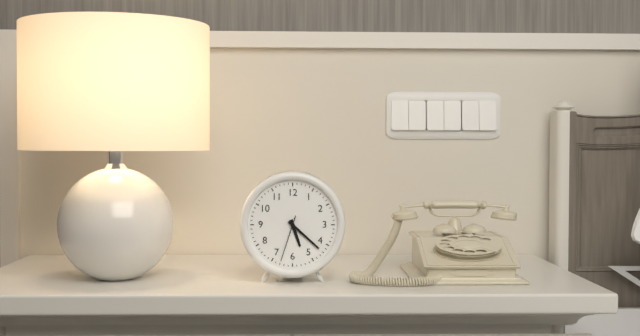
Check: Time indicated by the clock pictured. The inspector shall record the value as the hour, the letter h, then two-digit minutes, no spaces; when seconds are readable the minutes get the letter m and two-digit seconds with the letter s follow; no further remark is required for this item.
5h22
